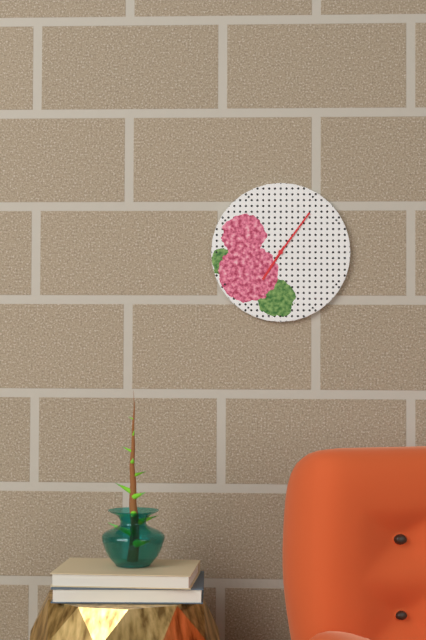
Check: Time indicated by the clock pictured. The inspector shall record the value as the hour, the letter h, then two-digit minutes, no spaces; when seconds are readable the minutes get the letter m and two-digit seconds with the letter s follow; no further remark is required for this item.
7h06
